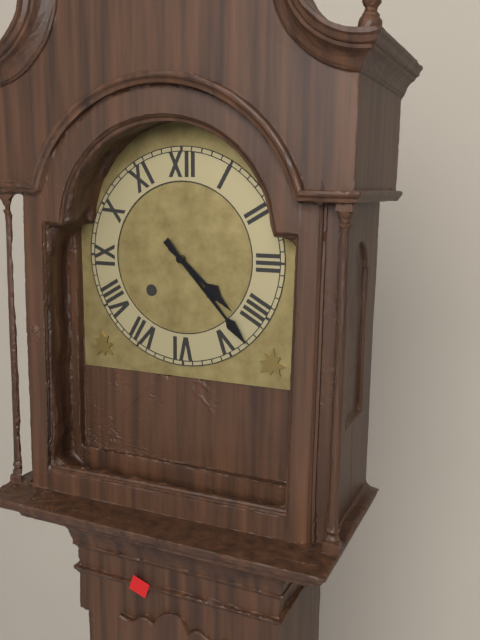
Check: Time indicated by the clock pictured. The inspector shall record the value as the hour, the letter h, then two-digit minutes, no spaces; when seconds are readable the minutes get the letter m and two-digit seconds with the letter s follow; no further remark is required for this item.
4h23
